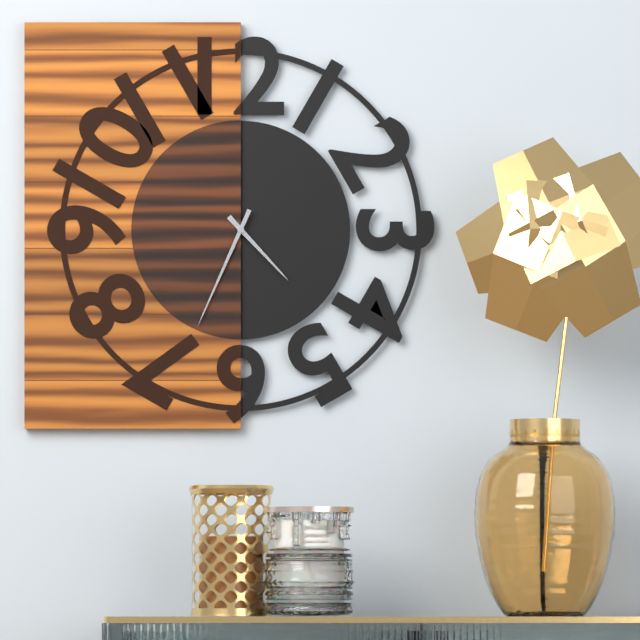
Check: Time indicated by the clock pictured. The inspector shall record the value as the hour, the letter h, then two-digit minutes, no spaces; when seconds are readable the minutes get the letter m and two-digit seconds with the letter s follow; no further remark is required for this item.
4h34
